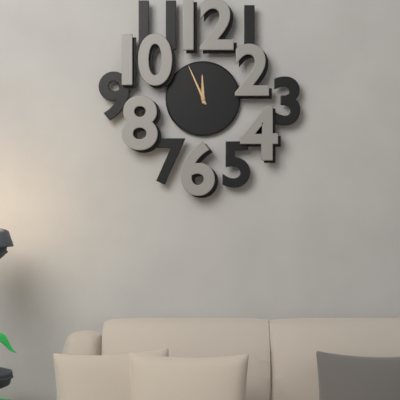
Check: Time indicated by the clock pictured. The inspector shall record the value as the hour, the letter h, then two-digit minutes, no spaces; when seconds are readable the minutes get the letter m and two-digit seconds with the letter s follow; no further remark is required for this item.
11h56
